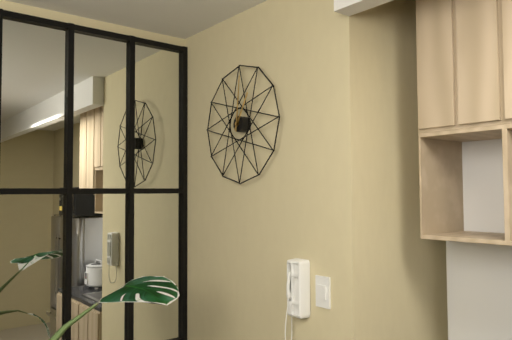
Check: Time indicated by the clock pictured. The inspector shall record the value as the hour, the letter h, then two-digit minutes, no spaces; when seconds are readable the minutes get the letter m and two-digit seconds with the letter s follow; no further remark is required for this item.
1h01
